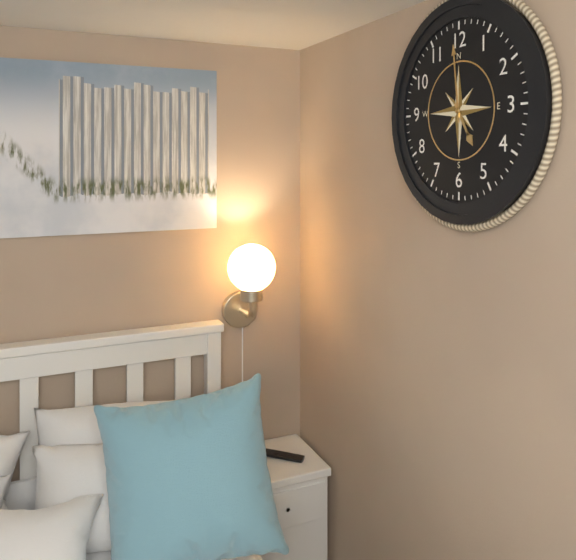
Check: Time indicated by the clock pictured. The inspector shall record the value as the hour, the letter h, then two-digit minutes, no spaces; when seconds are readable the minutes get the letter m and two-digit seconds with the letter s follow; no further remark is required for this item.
4h59
